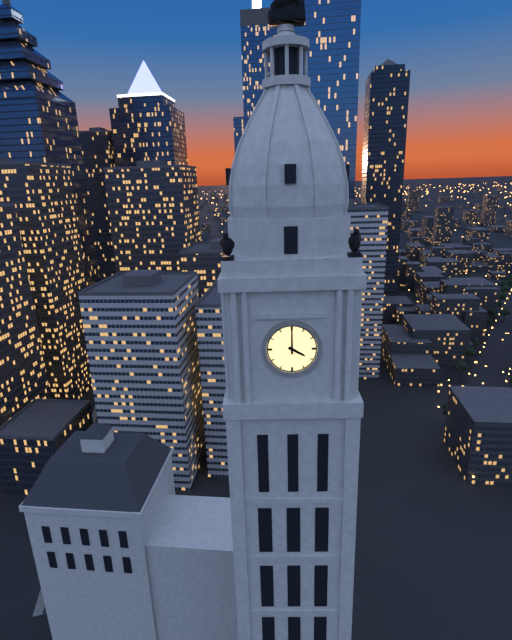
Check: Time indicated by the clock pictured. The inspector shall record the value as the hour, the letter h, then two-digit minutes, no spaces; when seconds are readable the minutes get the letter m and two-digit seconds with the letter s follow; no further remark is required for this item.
4h00
